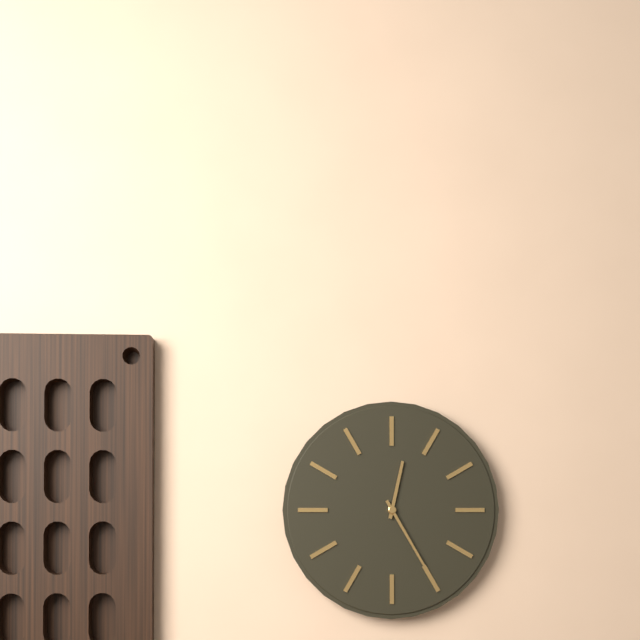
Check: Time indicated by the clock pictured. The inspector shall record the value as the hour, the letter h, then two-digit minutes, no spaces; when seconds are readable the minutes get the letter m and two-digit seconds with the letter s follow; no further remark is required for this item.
12h25
